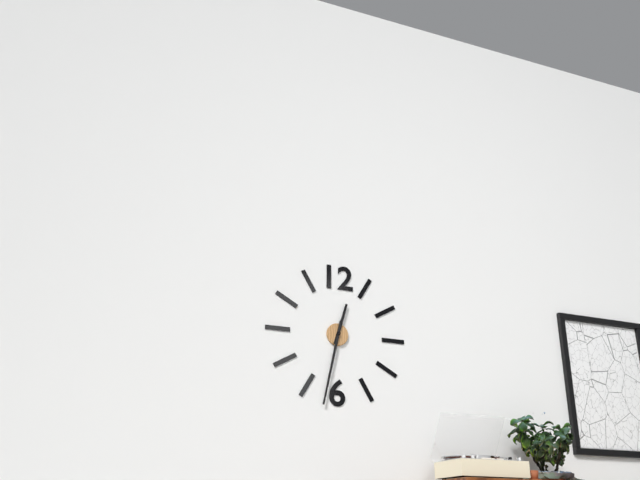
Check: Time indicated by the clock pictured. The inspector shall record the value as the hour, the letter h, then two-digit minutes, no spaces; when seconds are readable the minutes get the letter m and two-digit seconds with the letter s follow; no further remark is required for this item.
12h32
